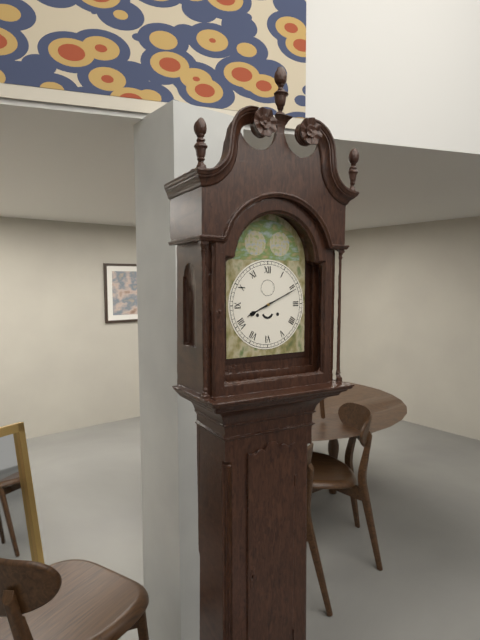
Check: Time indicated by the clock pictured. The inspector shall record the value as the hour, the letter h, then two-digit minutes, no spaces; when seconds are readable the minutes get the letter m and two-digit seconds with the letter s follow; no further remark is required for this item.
8h11
